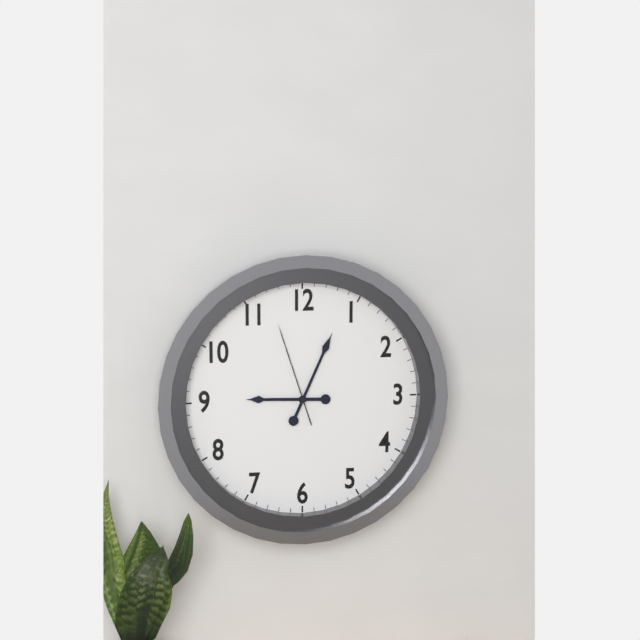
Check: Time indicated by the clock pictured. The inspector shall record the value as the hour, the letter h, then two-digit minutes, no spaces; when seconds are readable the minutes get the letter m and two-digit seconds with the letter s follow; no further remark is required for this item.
9h04m57s
